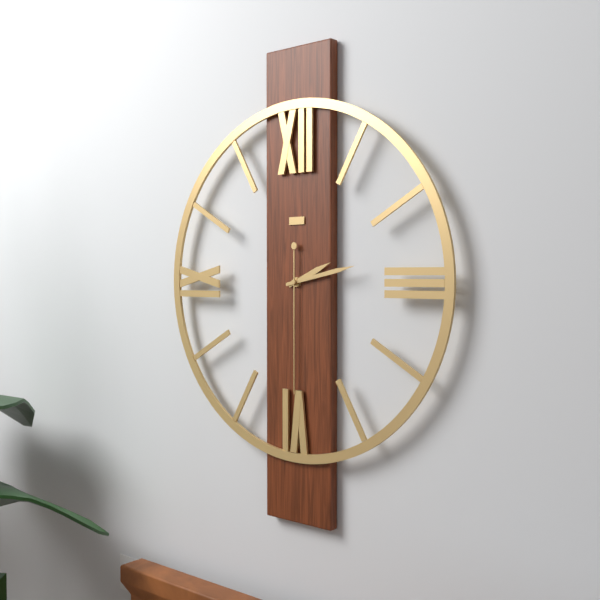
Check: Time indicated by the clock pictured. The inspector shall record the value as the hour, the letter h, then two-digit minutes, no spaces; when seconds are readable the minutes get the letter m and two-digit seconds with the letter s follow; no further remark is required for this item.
2h13m30s
